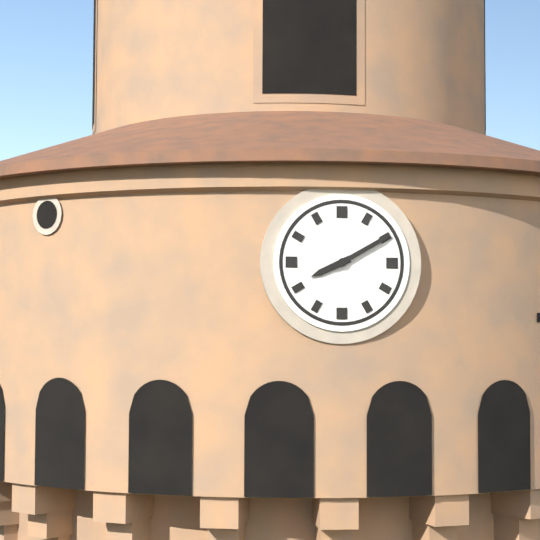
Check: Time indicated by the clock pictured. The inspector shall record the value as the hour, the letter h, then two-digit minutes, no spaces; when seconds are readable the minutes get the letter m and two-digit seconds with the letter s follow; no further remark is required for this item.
8h10
